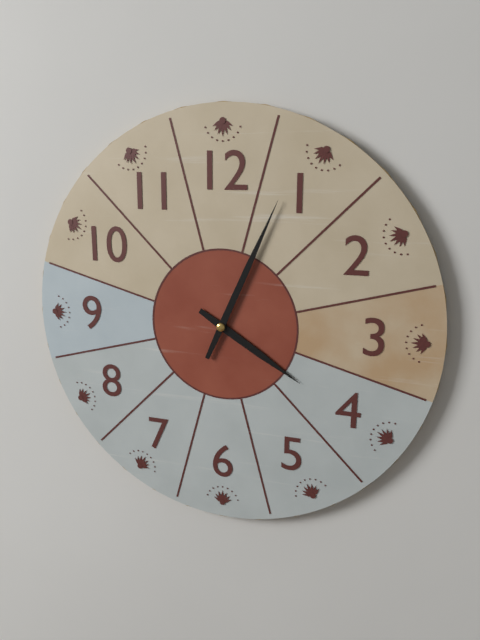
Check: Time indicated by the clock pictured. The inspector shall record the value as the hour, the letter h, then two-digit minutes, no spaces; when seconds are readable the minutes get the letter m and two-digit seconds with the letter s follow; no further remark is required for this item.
4h04
